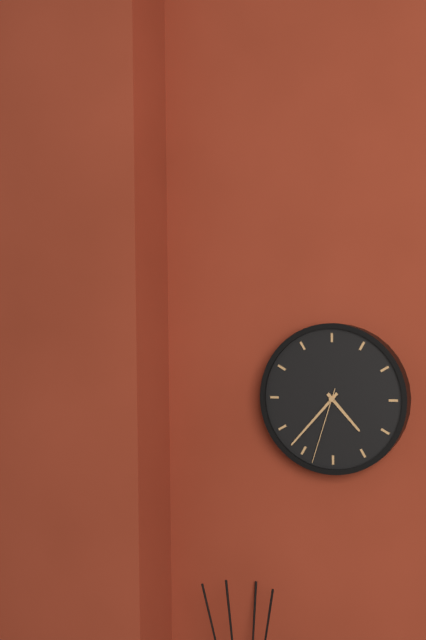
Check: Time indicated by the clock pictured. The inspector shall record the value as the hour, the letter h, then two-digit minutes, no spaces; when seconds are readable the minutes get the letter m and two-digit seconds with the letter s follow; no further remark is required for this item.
4h37m33s
